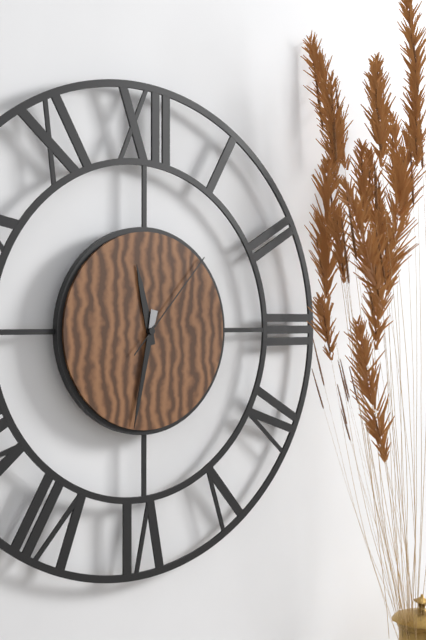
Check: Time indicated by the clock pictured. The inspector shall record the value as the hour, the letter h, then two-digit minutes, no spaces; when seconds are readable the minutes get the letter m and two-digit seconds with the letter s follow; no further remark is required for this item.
11h32m07s
